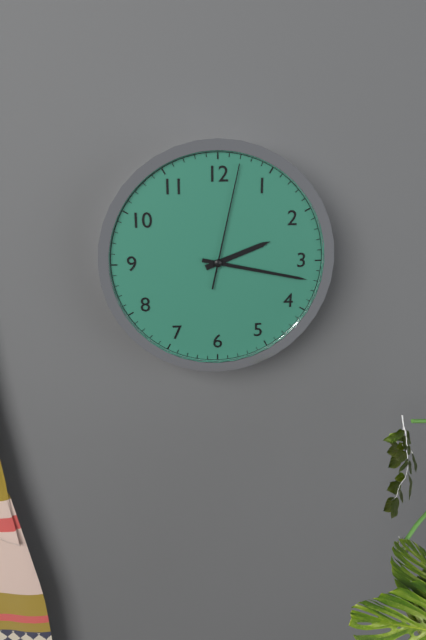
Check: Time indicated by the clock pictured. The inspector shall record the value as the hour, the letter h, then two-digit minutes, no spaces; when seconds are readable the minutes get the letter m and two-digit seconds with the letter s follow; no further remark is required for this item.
2h17m02s
